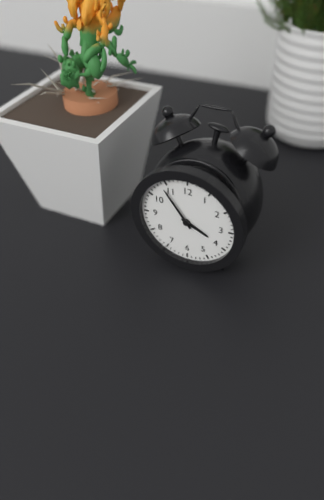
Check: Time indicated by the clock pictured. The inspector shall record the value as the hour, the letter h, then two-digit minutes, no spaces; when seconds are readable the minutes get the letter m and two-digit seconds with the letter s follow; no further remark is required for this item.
3h54
